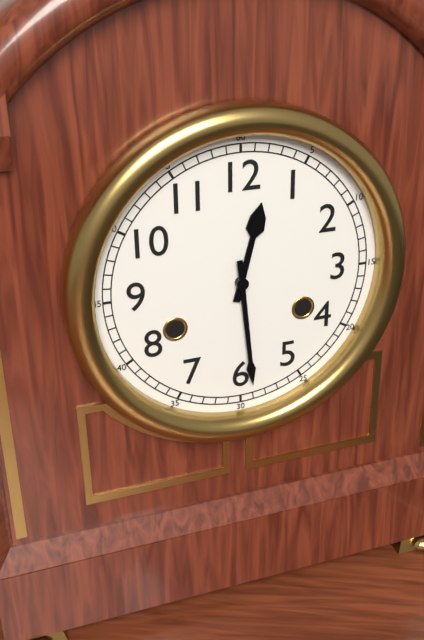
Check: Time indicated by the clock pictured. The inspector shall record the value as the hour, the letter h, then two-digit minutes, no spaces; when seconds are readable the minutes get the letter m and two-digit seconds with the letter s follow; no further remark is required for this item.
12h29
